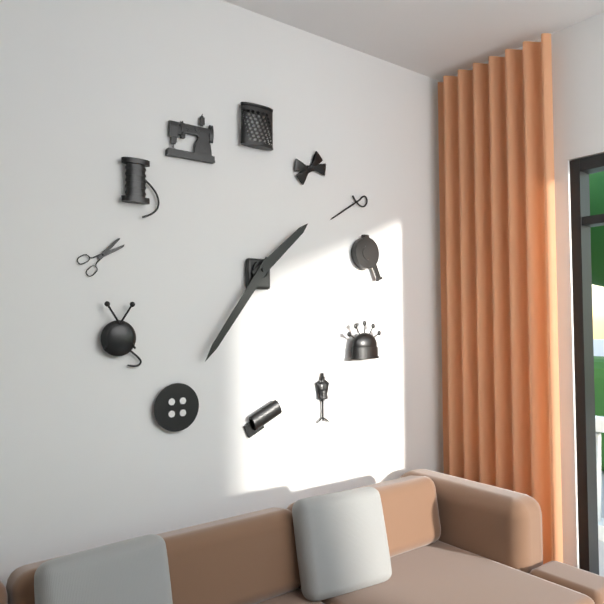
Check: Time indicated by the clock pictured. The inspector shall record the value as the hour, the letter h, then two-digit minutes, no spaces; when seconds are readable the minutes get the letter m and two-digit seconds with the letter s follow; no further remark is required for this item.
1h36
